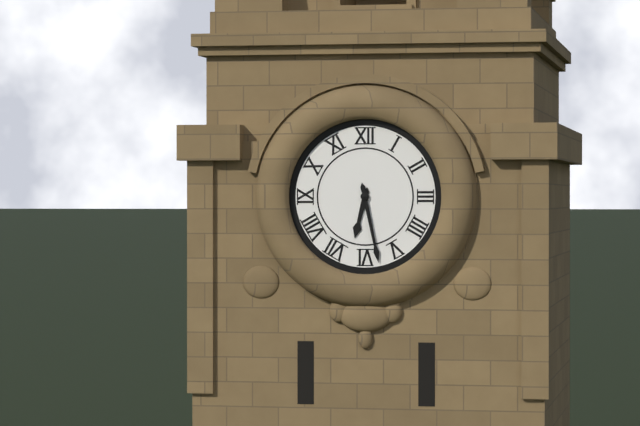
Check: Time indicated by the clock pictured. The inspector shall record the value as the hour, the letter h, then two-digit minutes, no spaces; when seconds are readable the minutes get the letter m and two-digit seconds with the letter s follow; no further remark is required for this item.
6h28
